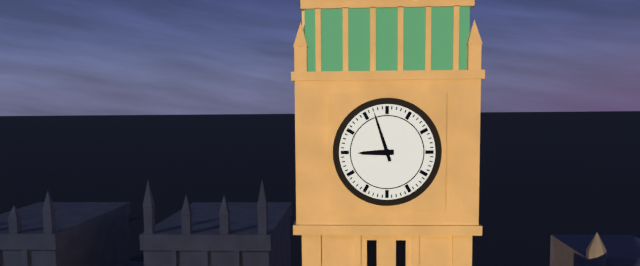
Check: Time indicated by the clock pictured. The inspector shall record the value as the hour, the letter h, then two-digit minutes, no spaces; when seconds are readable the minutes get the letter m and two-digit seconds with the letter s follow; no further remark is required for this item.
8h57
